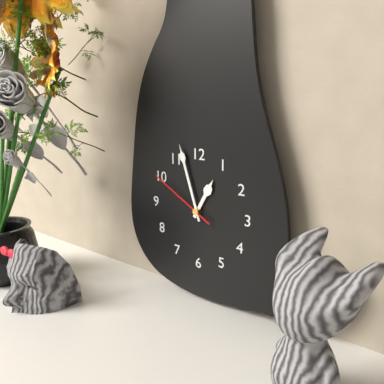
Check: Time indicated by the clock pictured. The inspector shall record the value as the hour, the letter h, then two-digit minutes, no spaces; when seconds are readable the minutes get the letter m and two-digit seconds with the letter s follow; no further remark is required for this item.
12h57m50s
